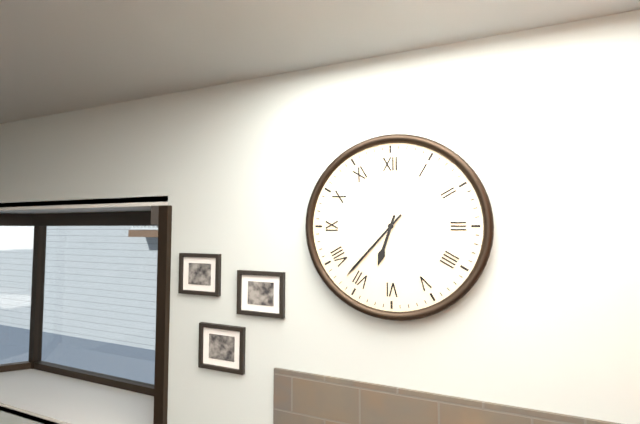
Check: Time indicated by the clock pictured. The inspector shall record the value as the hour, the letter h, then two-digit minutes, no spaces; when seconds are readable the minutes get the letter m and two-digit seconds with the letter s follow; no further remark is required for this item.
6h37
